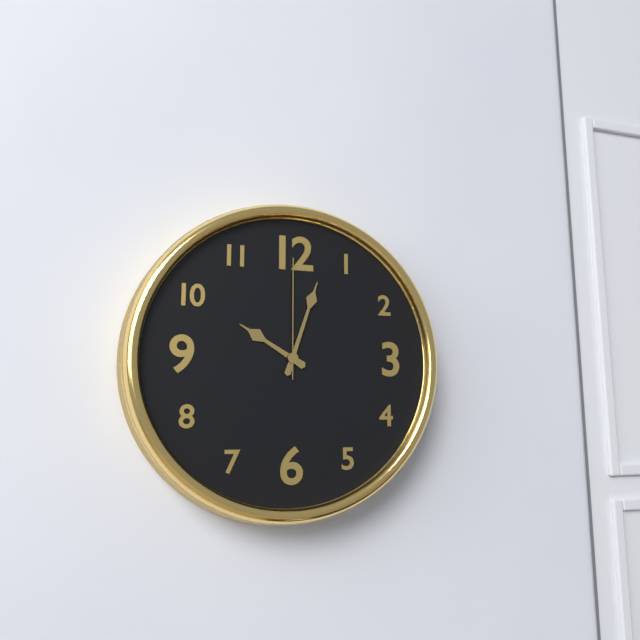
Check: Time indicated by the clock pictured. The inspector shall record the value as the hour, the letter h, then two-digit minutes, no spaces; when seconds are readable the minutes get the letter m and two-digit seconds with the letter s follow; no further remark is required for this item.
10h03m00s
